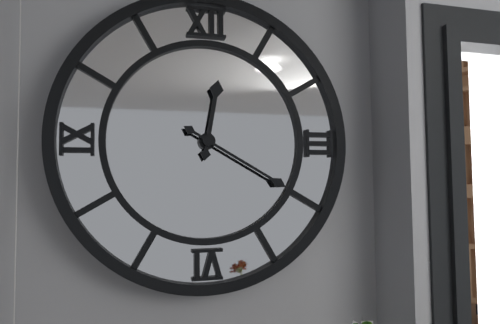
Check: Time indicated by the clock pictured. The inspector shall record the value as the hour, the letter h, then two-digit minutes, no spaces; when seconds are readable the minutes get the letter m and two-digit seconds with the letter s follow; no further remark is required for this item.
12h20
